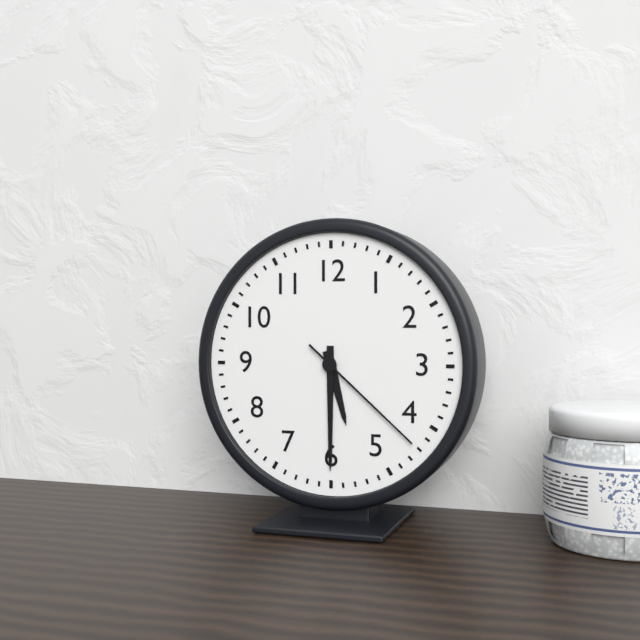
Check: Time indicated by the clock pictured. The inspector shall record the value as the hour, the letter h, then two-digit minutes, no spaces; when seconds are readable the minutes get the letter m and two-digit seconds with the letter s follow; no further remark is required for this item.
5h30m22s
